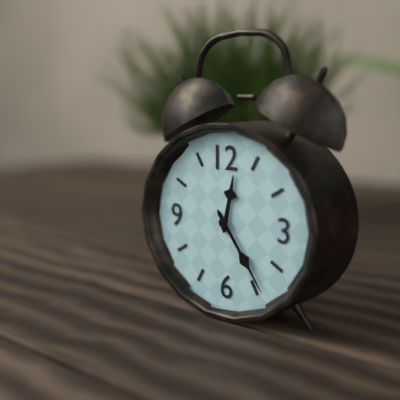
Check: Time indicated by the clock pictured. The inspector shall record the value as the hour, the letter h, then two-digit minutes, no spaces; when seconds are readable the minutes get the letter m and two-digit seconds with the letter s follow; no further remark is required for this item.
12h24
